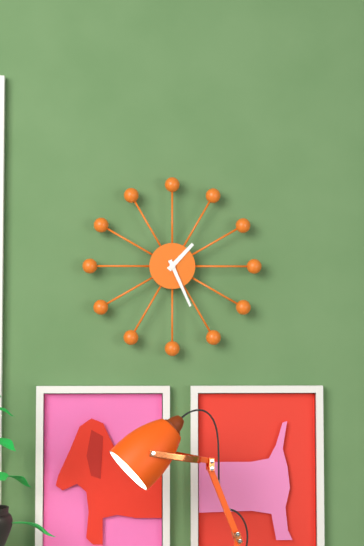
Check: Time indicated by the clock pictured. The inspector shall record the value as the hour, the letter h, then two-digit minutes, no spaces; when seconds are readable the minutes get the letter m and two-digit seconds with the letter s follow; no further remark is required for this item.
1h26
